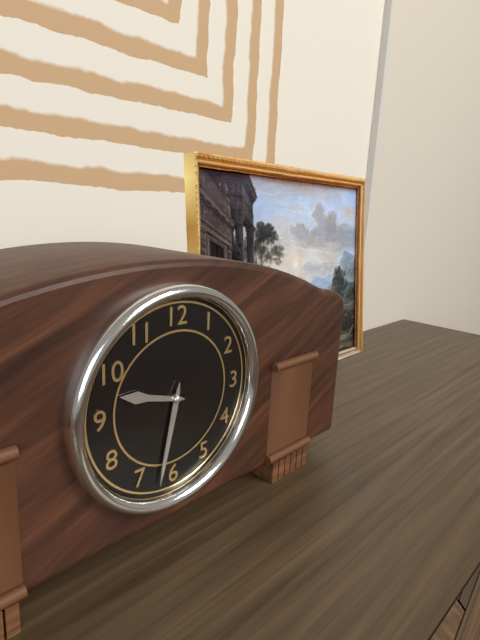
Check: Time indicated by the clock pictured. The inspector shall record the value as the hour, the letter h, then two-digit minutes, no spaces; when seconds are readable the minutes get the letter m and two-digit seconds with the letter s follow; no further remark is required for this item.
9h32
